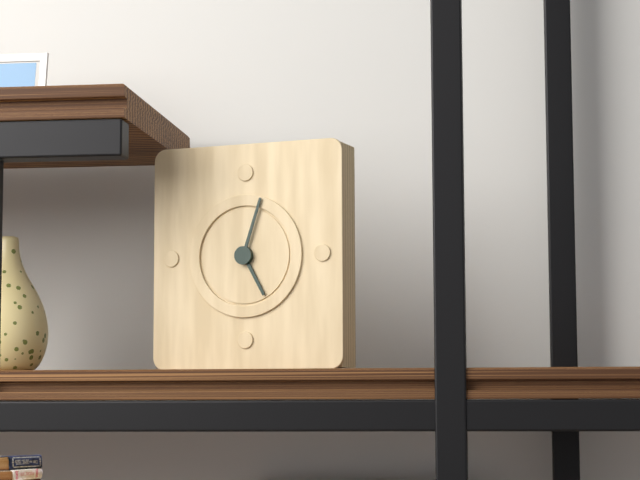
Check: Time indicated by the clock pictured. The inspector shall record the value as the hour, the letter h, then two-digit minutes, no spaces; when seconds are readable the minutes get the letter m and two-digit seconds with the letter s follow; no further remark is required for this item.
5h03
